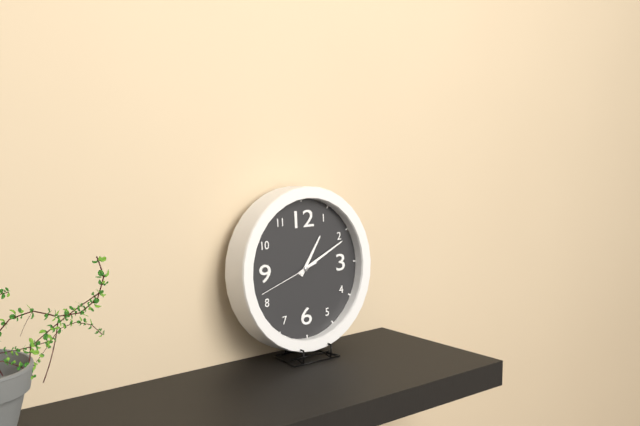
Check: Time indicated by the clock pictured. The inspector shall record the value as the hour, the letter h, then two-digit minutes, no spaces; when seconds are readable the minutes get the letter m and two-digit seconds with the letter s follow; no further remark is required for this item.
1h11m42s
